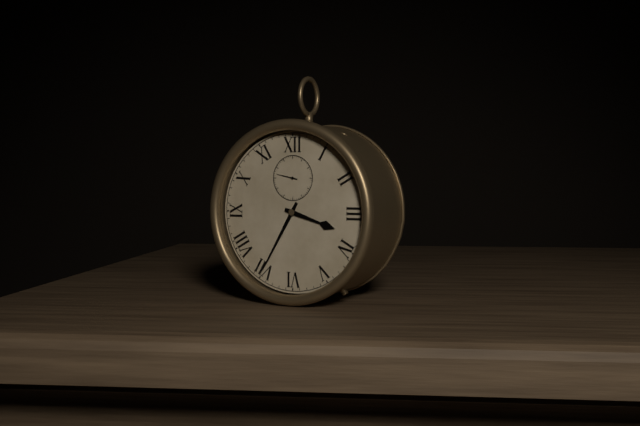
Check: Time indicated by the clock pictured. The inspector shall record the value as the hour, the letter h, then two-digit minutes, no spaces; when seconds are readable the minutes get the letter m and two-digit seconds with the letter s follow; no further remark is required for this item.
3h35
